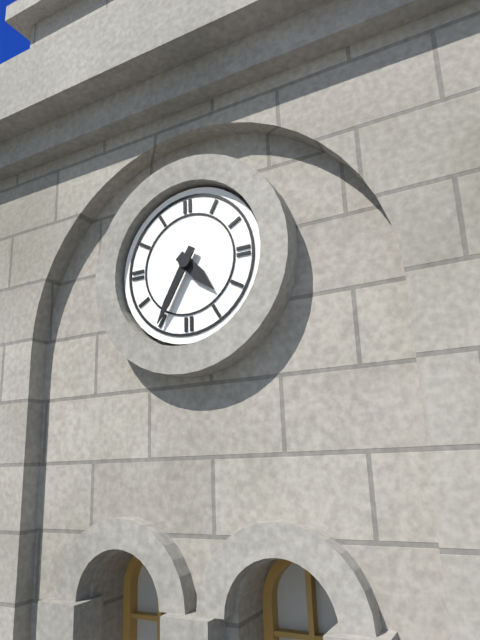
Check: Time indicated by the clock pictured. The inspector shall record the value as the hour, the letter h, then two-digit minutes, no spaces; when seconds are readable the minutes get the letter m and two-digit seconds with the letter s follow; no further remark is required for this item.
4h35
